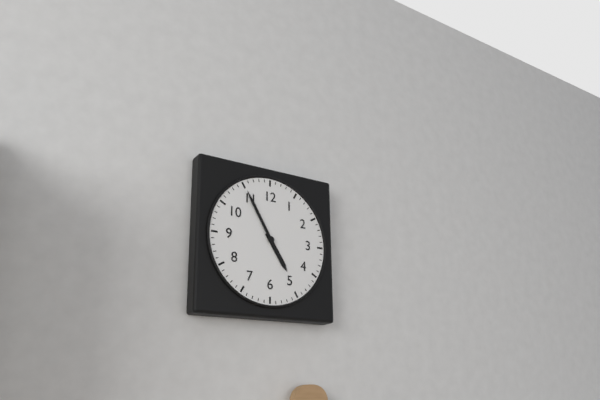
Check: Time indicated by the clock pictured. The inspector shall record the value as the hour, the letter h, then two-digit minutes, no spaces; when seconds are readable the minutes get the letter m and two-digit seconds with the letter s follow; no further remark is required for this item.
4h55
